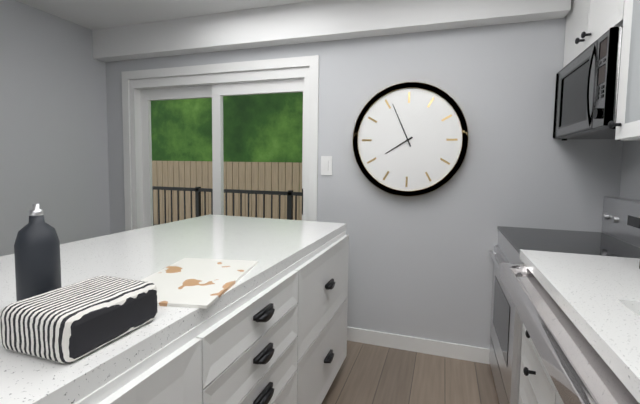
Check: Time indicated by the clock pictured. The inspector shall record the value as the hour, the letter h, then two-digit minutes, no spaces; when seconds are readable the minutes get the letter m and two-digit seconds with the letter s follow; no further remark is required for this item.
7h56
